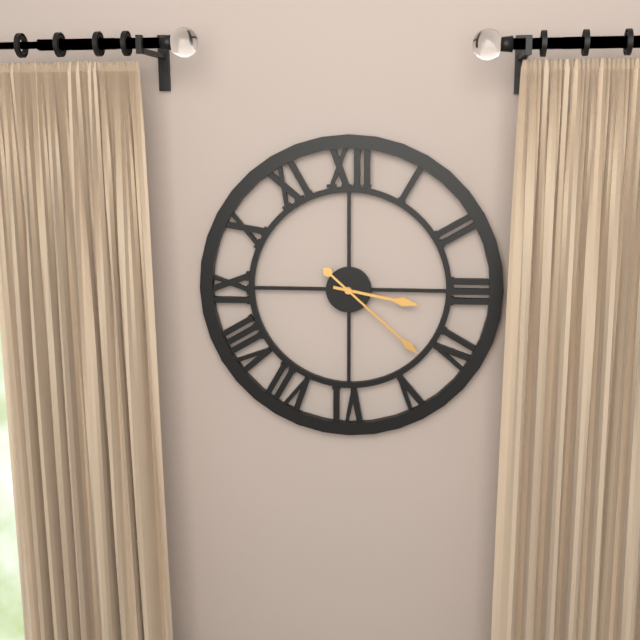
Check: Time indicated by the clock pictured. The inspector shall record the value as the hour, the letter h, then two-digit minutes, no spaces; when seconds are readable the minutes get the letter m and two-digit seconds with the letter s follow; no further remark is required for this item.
3h22
